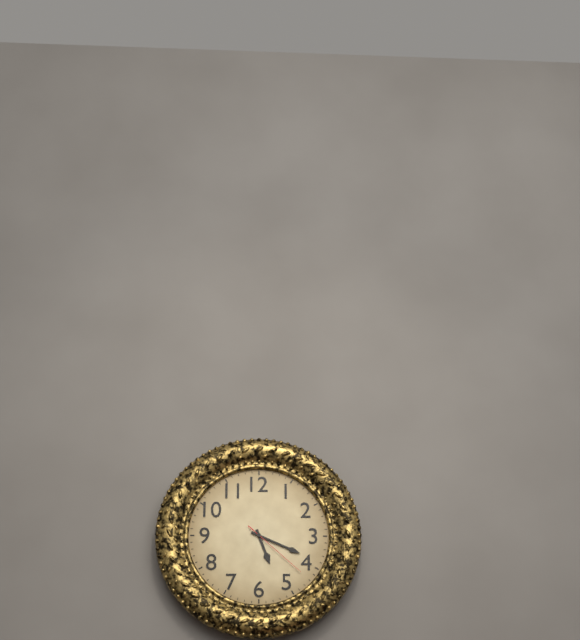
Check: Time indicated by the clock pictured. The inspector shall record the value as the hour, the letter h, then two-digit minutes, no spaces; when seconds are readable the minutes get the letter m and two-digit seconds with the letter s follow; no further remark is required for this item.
5h19m22s
